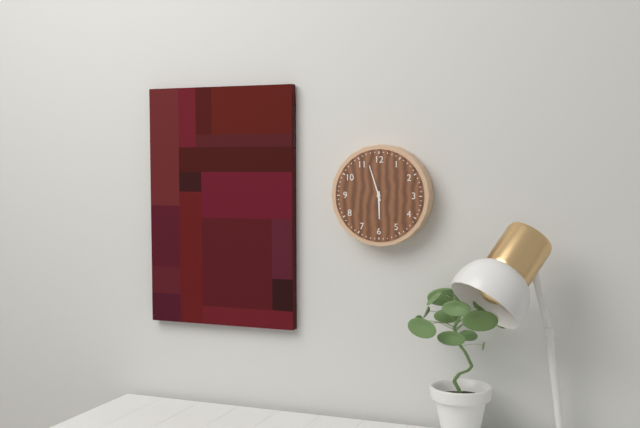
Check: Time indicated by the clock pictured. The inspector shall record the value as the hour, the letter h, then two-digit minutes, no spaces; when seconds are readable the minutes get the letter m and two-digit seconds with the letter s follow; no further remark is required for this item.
5h57
